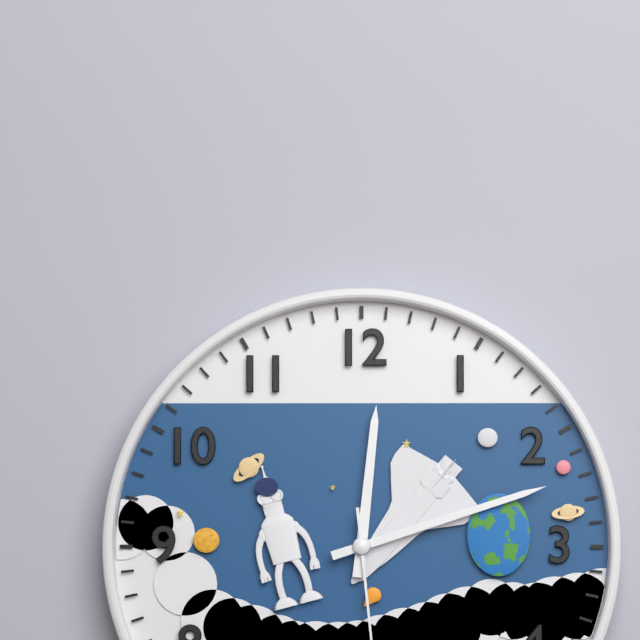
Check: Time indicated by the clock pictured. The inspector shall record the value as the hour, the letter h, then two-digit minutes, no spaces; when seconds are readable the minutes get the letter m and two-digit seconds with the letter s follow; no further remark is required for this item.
12h12
